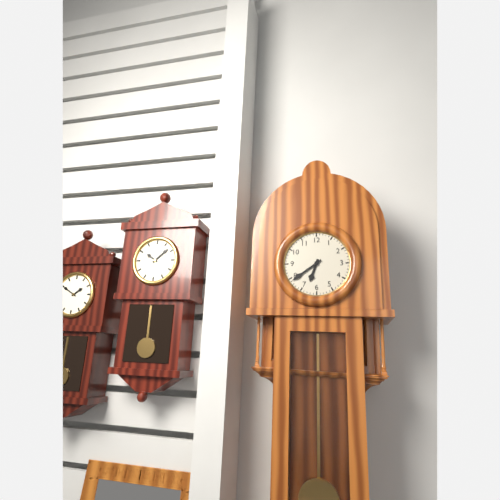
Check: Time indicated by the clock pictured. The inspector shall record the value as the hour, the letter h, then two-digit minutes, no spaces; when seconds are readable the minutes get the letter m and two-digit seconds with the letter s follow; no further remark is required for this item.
6h39
